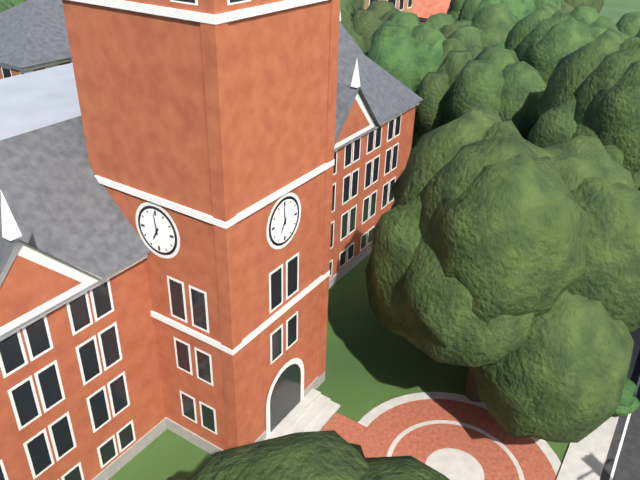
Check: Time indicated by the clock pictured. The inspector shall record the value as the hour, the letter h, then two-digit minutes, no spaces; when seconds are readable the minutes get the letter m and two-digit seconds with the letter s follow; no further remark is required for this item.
6h59
